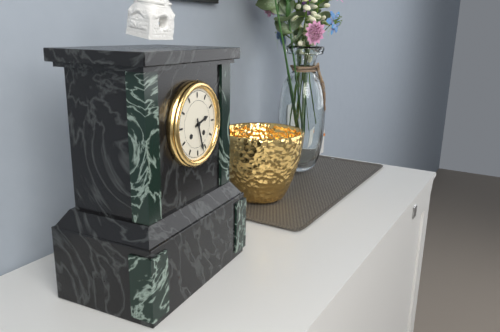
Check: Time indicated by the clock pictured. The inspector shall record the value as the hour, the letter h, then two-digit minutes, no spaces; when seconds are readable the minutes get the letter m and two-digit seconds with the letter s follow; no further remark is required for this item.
2h27
